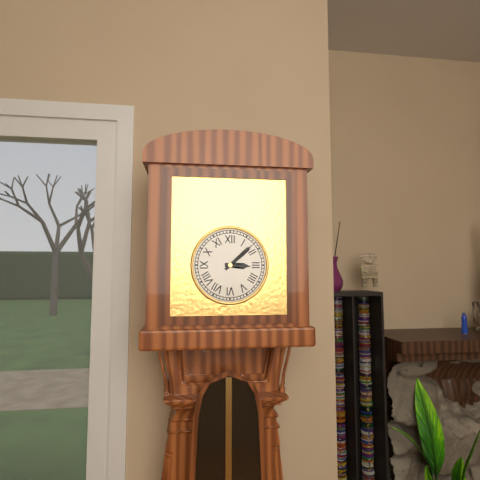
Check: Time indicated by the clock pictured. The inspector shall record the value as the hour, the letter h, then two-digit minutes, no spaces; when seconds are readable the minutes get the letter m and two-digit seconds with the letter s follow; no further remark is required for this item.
3h08
